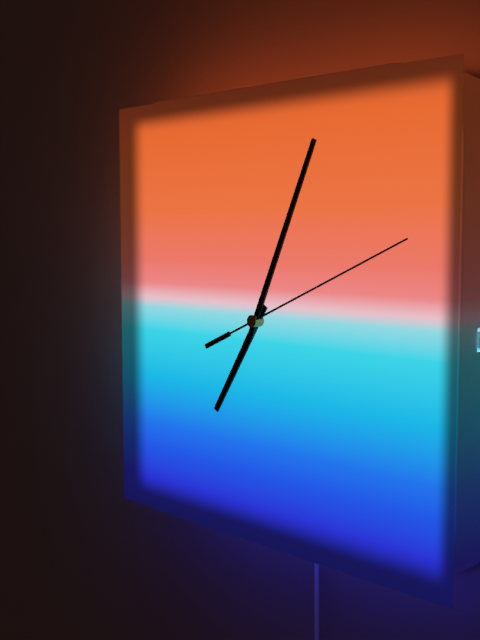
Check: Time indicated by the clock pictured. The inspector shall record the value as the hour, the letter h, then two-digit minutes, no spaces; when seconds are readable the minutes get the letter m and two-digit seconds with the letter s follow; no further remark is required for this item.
7h04m11s
